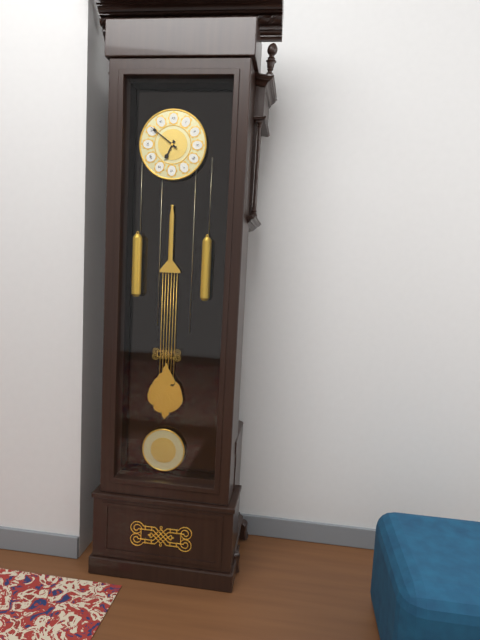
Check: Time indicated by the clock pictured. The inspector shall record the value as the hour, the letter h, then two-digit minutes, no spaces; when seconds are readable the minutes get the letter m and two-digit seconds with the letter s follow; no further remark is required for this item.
6h51
